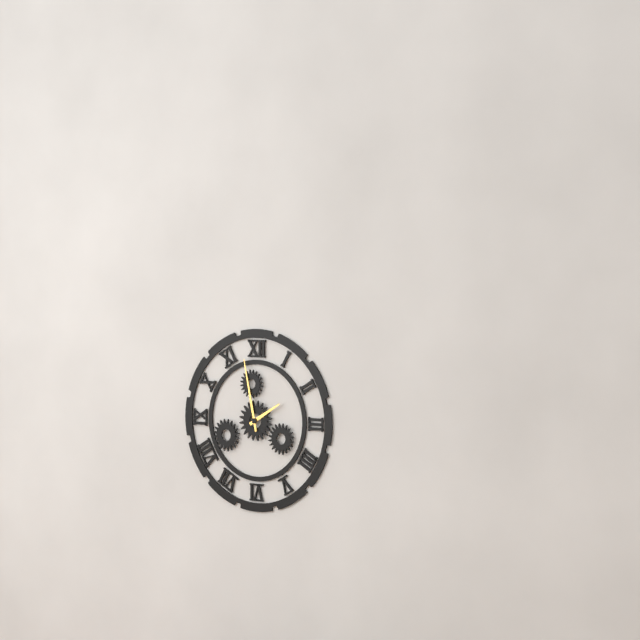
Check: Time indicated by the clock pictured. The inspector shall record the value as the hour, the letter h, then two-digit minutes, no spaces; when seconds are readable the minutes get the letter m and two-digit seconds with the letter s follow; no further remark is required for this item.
1h58
